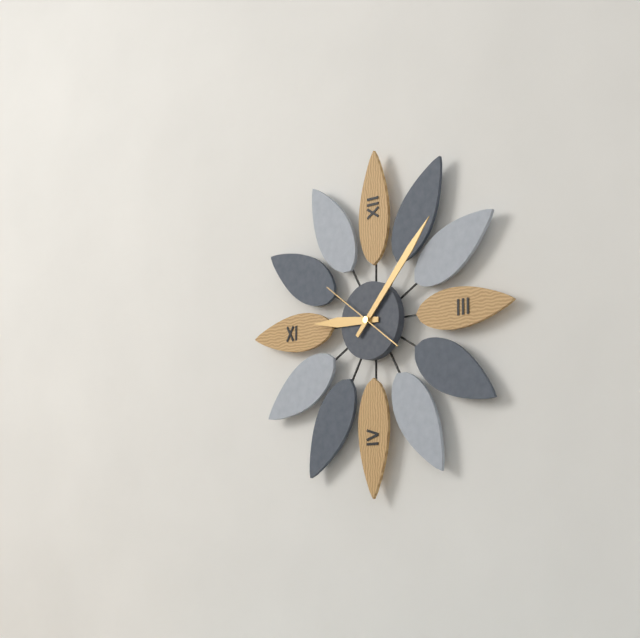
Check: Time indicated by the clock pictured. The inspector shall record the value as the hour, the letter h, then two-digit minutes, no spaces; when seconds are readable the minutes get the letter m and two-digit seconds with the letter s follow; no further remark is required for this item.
9h07m51s
